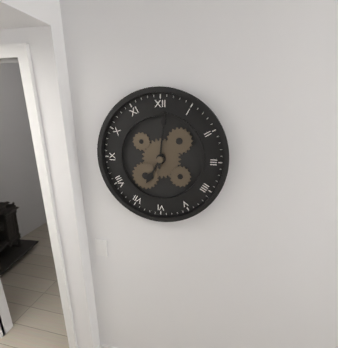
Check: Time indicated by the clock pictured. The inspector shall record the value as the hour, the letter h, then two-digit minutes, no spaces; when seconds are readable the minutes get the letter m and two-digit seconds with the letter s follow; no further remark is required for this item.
7h01
